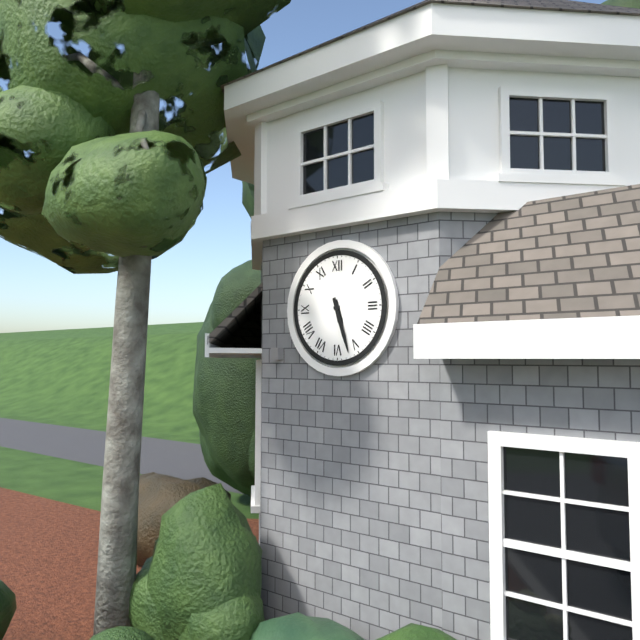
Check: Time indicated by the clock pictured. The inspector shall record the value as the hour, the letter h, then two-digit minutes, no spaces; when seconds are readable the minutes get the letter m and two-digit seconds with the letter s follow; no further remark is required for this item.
5h27
